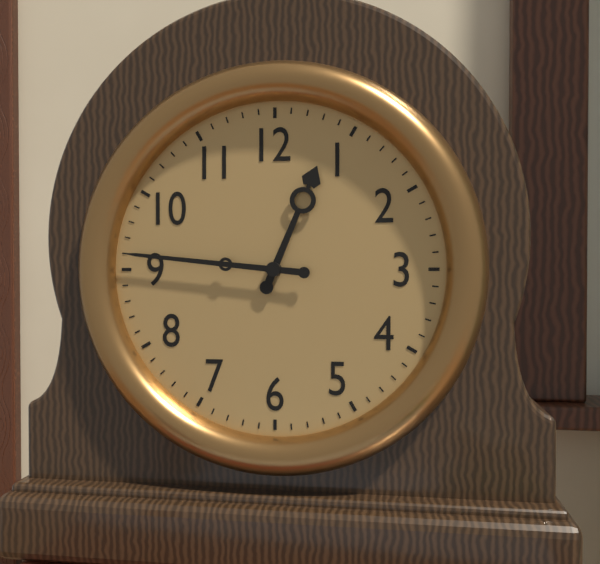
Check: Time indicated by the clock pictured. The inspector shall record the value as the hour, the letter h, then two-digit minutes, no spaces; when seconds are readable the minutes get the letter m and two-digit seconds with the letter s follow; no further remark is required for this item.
12h46
